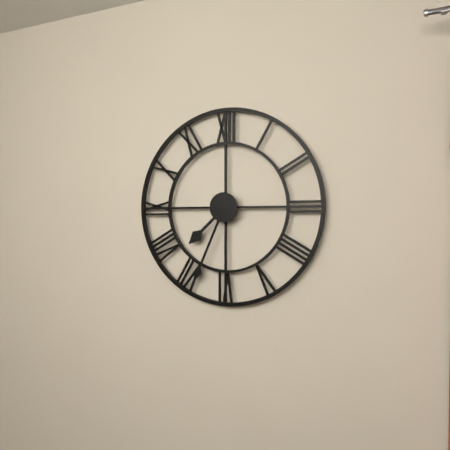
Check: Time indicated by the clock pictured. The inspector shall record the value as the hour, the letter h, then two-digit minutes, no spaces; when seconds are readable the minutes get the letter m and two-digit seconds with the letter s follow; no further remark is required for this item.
7h34
